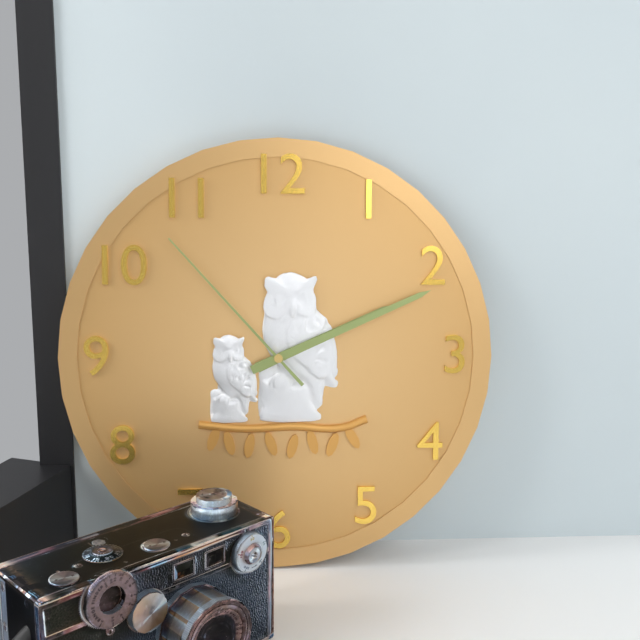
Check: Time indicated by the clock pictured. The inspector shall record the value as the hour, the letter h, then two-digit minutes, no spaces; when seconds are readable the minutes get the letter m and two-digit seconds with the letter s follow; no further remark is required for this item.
2h11m53s
